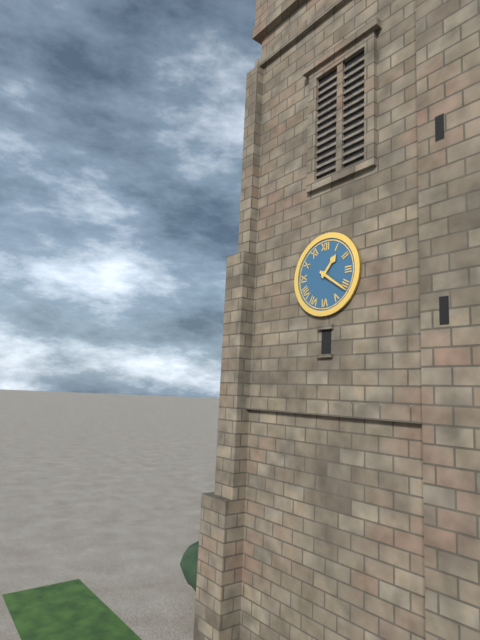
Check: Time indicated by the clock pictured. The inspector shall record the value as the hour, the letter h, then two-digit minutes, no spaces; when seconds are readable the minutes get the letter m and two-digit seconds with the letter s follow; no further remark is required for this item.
1h21
